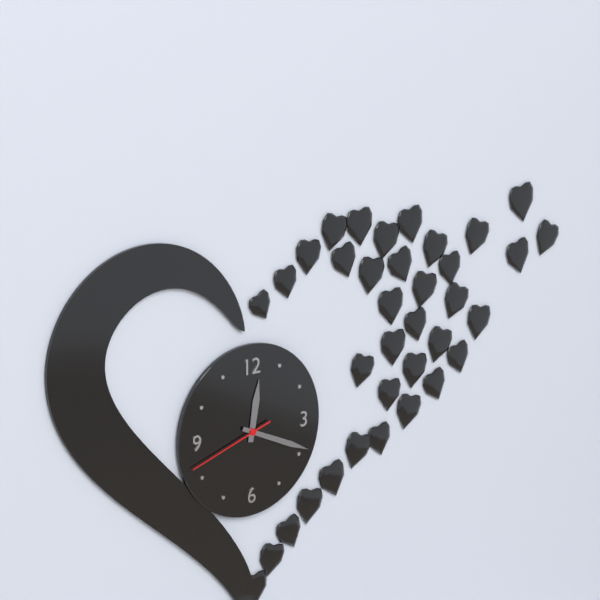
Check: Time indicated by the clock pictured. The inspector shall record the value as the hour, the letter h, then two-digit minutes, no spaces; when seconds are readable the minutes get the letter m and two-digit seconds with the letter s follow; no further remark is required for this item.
12h19m42s
